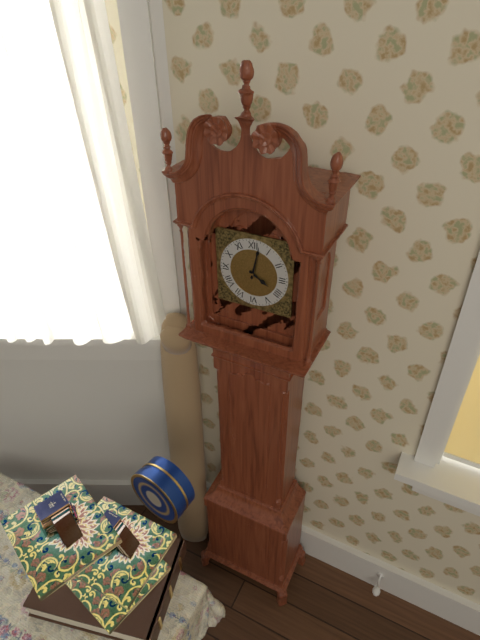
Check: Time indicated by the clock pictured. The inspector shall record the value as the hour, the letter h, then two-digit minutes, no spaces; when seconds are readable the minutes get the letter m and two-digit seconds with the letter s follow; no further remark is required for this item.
4h02
